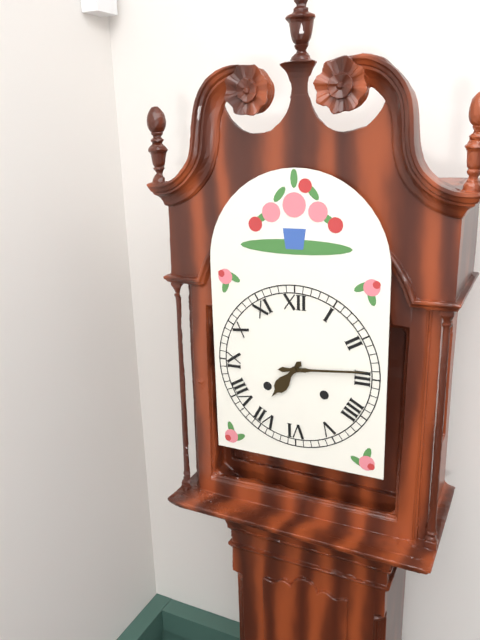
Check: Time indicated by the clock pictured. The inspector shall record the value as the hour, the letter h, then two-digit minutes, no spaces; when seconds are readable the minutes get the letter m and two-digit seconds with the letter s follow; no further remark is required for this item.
7h14
